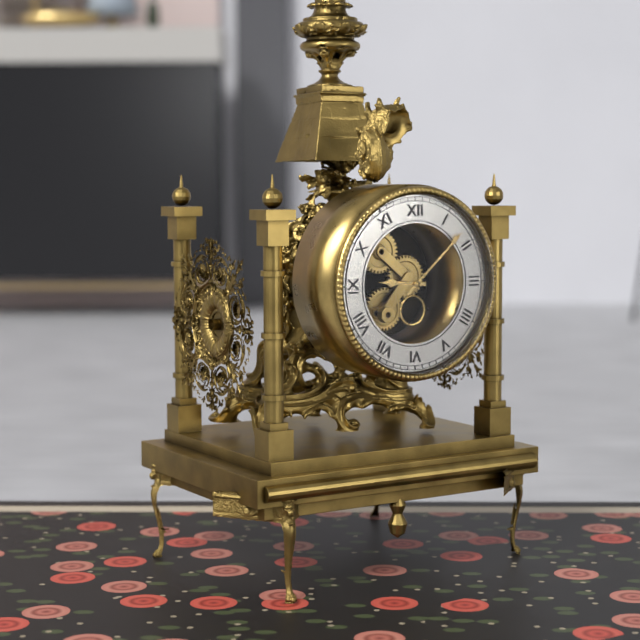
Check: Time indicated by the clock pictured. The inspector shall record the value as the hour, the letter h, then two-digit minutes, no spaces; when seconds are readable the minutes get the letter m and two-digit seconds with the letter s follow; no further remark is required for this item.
9h08
